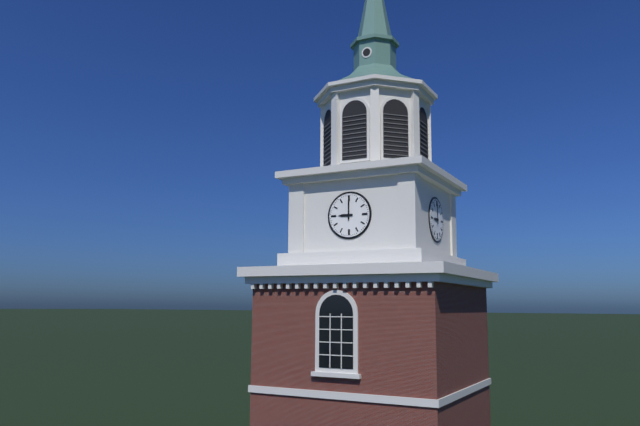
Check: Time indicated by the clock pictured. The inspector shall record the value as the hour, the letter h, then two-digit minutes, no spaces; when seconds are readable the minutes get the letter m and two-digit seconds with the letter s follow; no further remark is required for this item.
9h00
